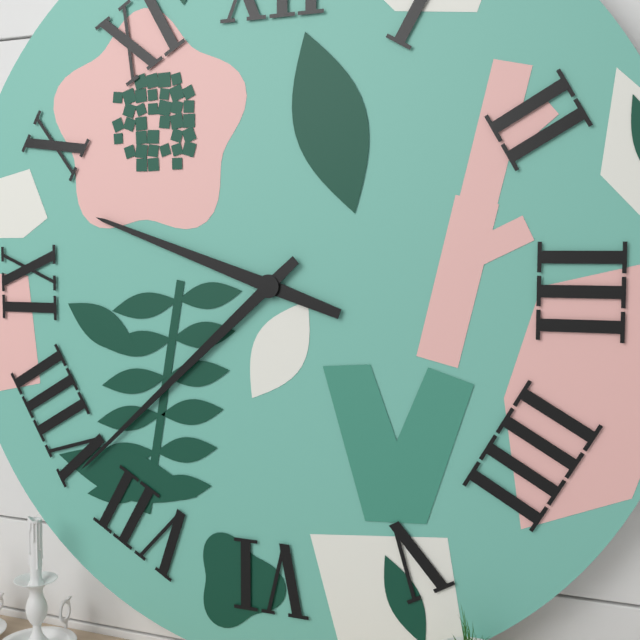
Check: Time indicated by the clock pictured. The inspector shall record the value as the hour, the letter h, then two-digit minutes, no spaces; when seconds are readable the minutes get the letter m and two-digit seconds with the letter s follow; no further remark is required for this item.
9h38
